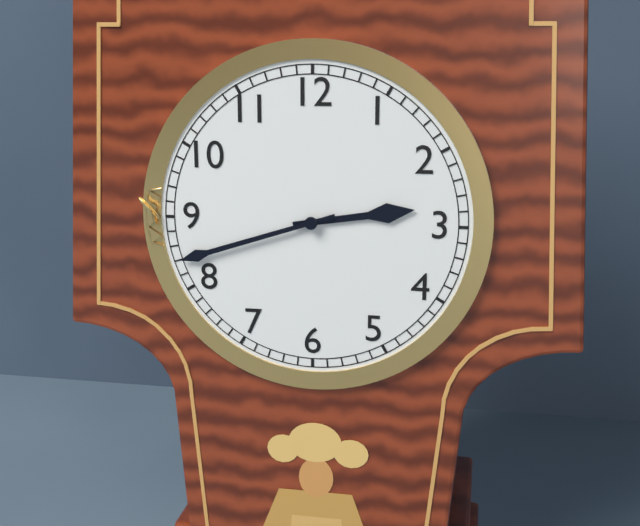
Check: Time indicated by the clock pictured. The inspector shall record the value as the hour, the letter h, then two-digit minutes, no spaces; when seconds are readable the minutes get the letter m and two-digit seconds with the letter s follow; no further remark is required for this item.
2h42
